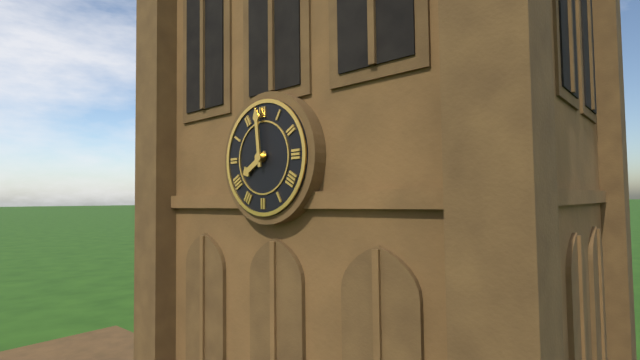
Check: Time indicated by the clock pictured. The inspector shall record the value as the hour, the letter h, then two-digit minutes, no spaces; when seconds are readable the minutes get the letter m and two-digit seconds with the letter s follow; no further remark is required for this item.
7h59
